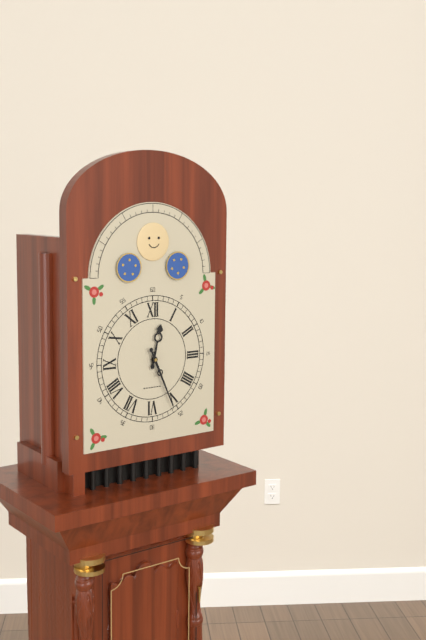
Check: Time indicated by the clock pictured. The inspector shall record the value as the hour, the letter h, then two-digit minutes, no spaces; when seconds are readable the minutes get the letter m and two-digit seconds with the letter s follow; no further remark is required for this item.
12h26
